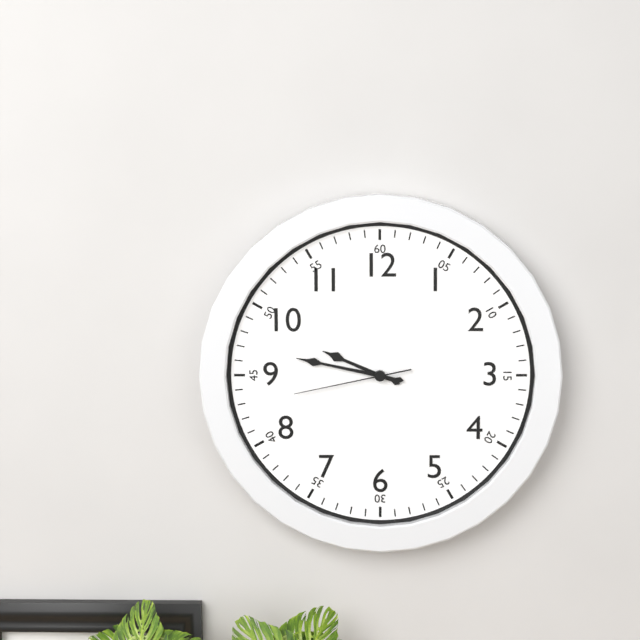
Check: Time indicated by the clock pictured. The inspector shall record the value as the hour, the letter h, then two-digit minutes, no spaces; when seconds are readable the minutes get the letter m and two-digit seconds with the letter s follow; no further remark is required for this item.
9h47m43s
